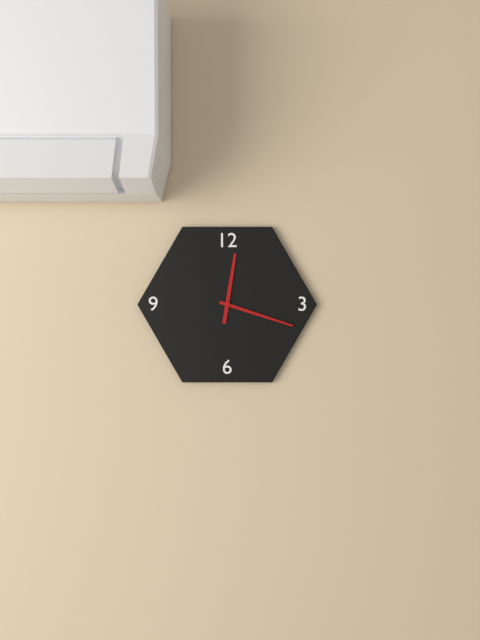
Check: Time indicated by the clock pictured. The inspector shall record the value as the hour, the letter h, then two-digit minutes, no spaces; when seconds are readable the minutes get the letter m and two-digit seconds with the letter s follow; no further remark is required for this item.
12h18
